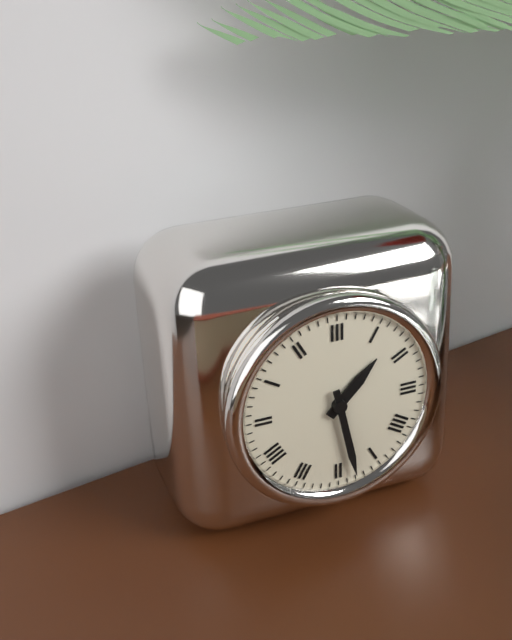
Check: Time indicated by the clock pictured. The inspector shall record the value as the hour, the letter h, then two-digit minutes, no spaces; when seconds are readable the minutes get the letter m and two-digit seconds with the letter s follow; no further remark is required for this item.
1h28
